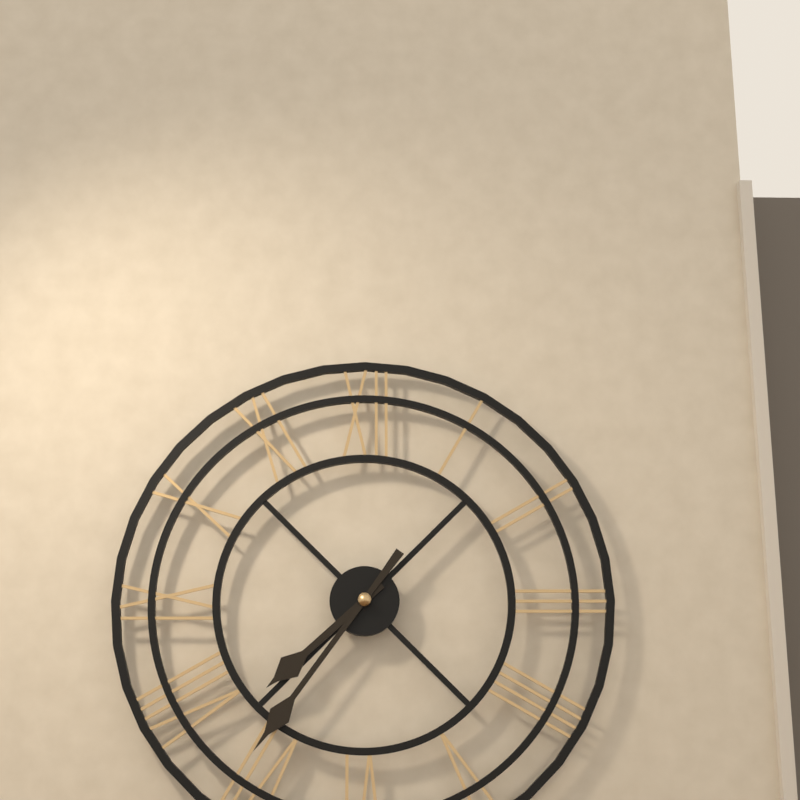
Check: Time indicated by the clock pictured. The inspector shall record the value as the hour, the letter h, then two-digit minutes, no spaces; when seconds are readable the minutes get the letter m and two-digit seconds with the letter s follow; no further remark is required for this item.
7h36
